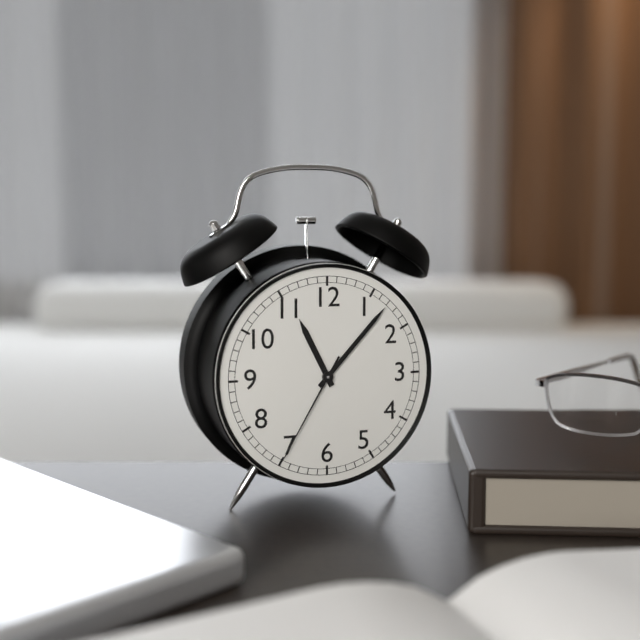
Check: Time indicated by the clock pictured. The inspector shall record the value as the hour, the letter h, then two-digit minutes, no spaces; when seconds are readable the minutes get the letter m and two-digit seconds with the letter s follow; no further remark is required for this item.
11h07m35s
